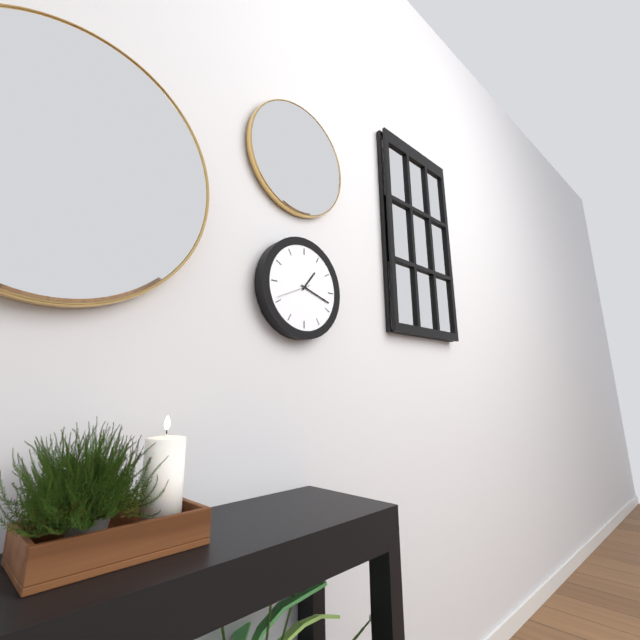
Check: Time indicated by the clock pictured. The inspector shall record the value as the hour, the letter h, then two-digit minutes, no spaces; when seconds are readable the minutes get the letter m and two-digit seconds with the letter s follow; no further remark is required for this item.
1h18
